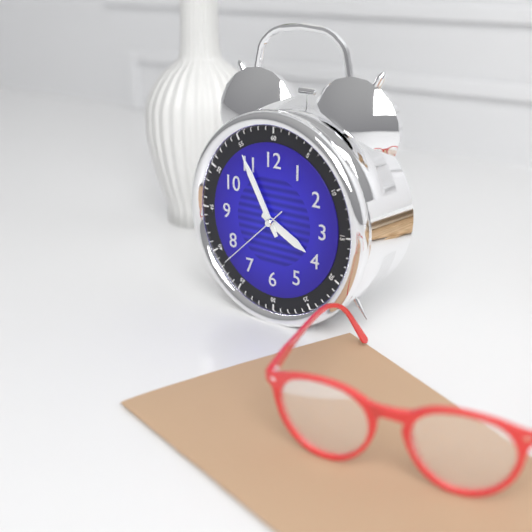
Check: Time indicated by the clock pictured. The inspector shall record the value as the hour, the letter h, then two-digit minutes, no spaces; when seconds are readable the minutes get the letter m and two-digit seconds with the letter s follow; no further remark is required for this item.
3h55m38s
